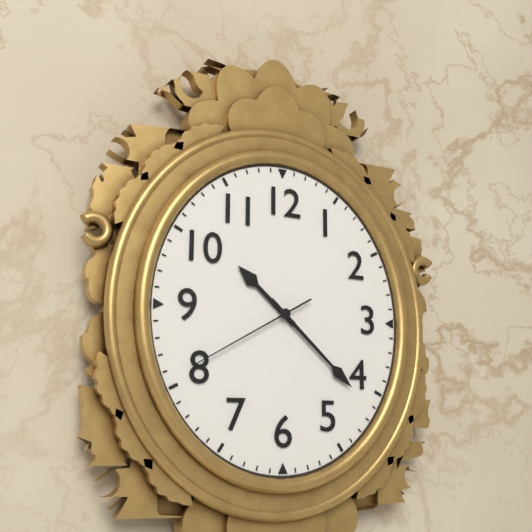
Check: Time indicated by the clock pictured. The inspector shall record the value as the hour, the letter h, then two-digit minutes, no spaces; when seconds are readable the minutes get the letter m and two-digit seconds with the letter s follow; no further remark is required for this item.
10h22m40s
